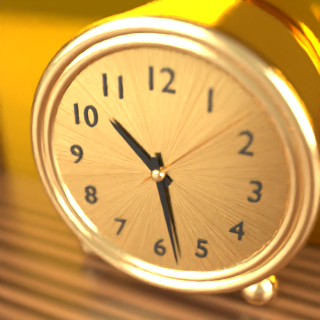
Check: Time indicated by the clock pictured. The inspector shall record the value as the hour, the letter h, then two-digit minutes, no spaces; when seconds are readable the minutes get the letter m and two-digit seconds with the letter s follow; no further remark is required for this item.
10h28m08s
